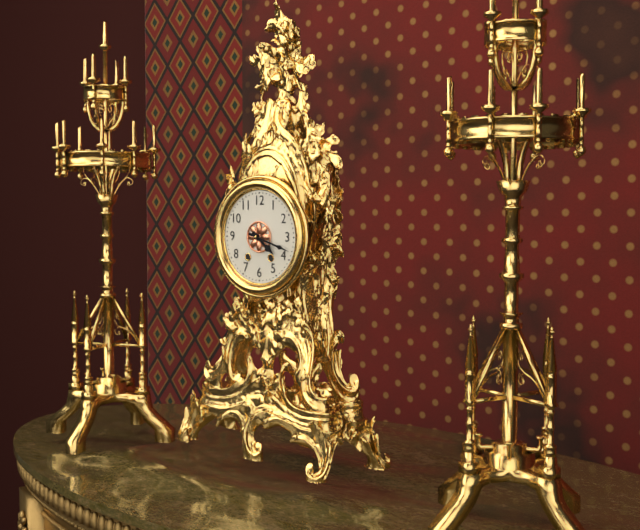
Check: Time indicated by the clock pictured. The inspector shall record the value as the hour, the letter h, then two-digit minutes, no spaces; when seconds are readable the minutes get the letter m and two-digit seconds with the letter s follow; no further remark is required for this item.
4h18
